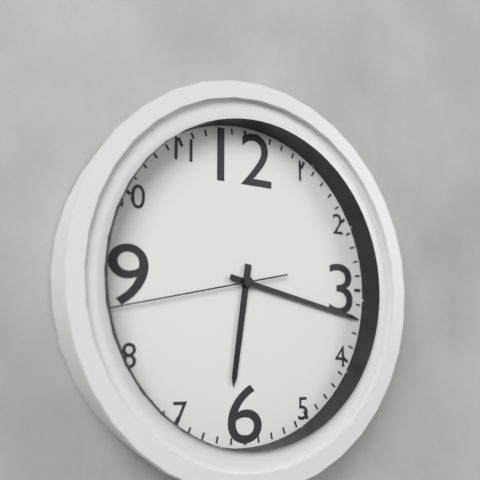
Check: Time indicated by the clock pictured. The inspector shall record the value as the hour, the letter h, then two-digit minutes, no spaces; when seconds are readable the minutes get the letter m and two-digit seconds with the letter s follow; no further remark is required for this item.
6h17m43s
